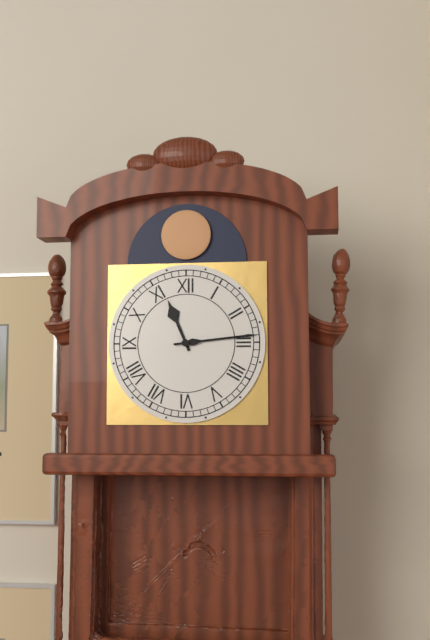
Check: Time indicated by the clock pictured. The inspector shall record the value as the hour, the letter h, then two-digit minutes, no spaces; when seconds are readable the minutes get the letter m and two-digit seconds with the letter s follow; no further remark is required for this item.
11h14
